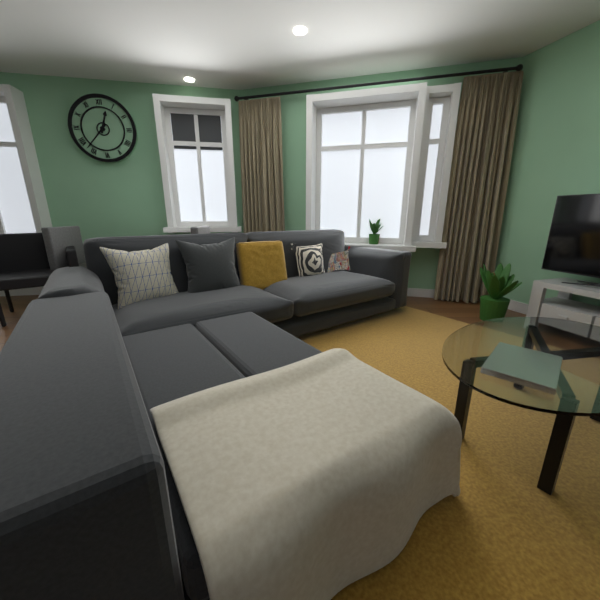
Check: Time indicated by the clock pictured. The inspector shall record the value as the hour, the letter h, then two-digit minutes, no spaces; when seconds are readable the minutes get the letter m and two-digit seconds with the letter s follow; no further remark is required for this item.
12h37
